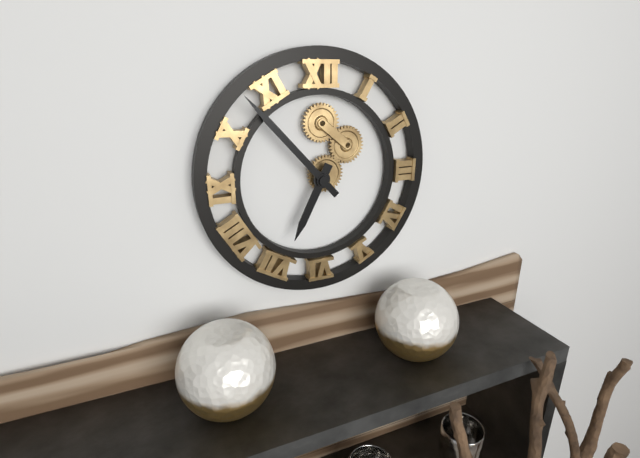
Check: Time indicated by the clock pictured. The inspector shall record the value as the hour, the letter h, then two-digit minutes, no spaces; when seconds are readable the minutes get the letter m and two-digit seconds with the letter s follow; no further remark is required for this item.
6h53
